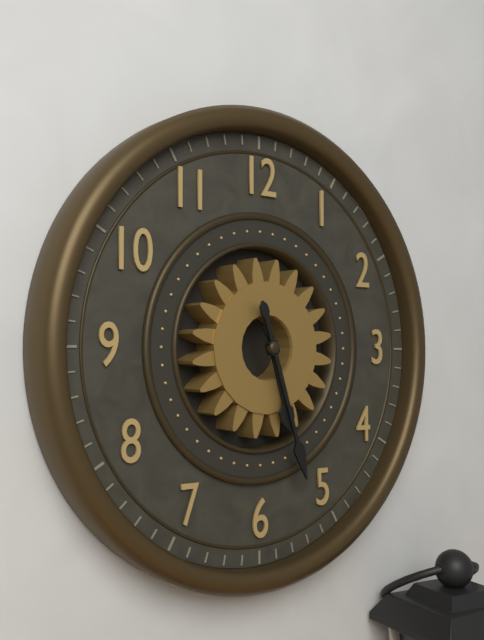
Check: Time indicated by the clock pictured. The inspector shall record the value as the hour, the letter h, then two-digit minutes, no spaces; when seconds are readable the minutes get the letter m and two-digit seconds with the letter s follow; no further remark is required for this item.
5h27
